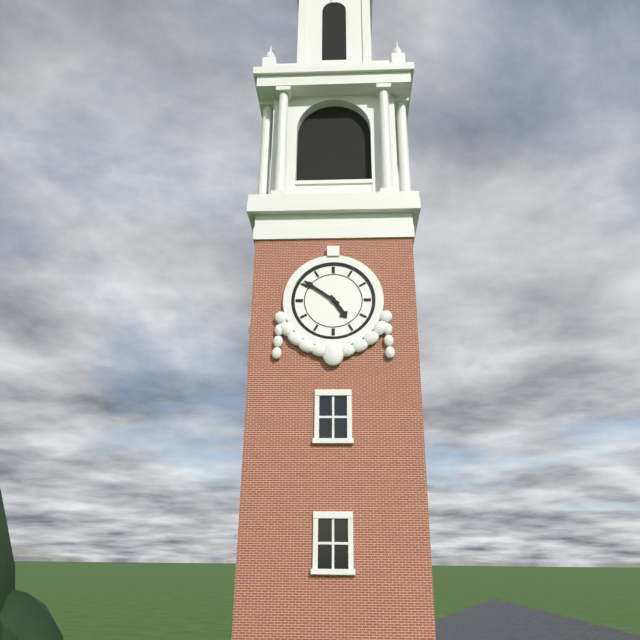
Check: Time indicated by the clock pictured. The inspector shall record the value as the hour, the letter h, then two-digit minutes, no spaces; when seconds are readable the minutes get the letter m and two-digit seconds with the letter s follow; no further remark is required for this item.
4h51
